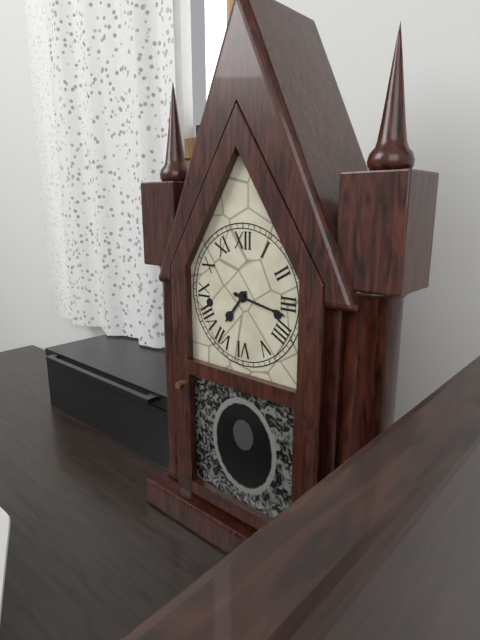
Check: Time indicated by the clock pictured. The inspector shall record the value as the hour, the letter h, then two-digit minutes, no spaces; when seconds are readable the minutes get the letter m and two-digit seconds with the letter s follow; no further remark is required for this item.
7h17
